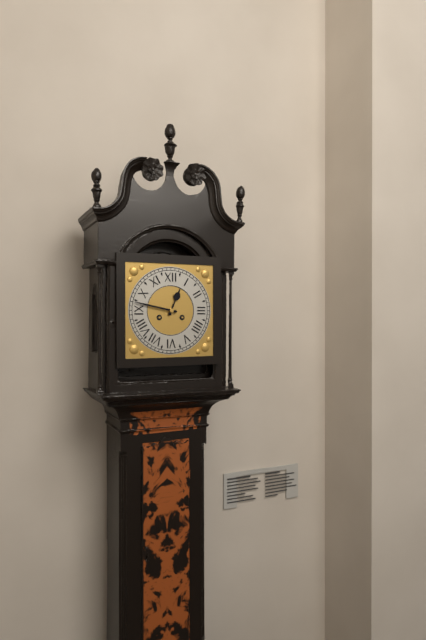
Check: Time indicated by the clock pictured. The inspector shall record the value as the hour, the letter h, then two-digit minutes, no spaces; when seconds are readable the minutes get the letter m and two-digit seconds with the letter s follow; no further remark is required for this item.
12h47
